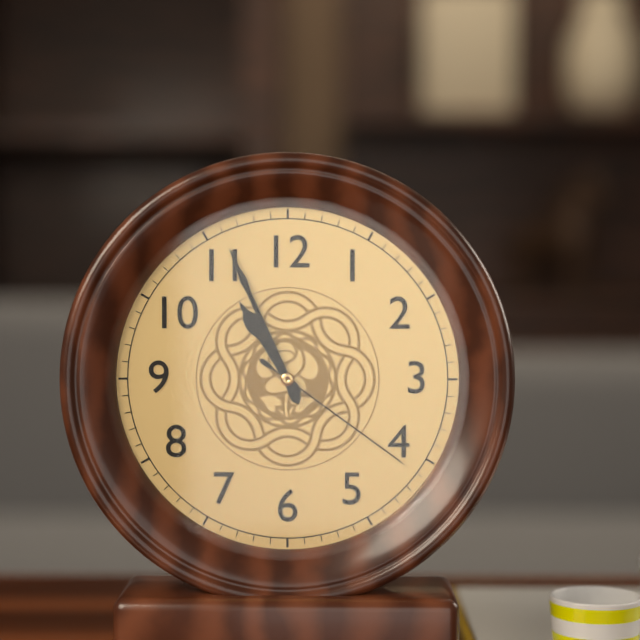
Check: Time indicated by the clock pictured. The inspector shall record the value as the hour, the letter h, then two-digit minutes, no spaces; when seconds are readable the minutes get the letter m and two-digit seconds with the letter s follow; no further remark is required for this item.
10h56m21s
